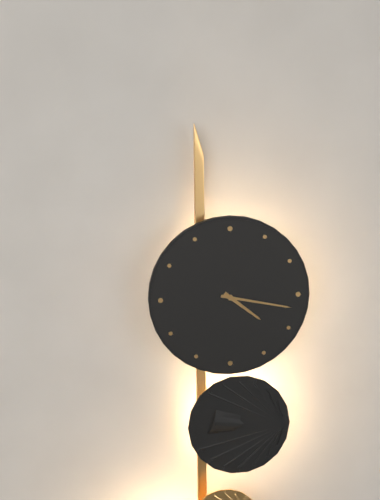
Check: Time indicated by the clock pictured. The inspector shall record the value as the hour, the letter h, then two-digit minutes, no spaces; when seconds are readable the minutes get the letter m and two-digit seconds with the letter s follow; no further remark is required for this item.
4h17
